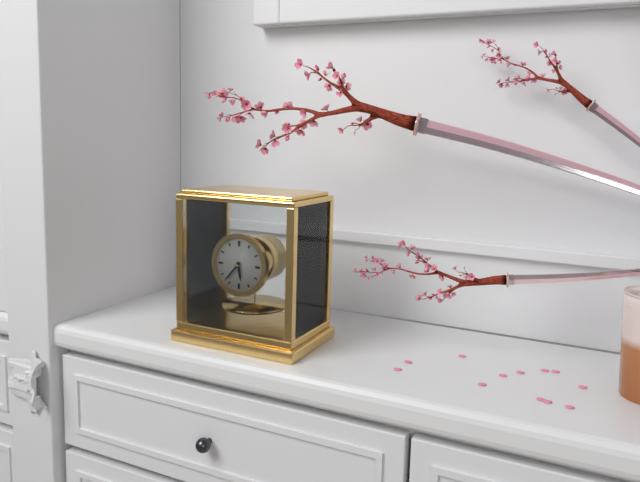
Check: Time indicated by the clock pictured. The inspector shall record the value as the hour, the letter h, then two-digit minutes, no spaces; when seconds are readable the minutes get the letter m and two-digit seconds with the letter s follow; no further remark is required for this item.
5h37
